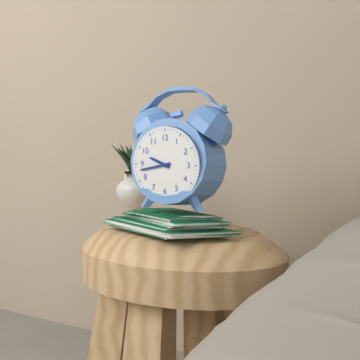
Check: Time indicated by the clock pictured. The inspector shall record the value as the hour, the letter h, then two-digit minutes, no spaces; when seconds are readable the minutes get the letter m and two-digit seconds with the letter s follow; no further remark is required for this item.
9h43
